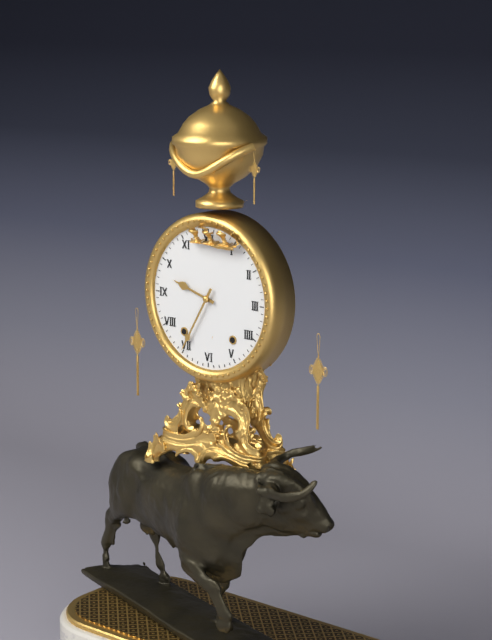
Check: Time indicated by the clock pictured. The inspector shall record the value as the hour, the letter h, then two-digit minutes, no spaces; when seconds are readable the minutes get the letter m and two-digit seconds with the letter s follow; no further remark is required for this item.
9h35
